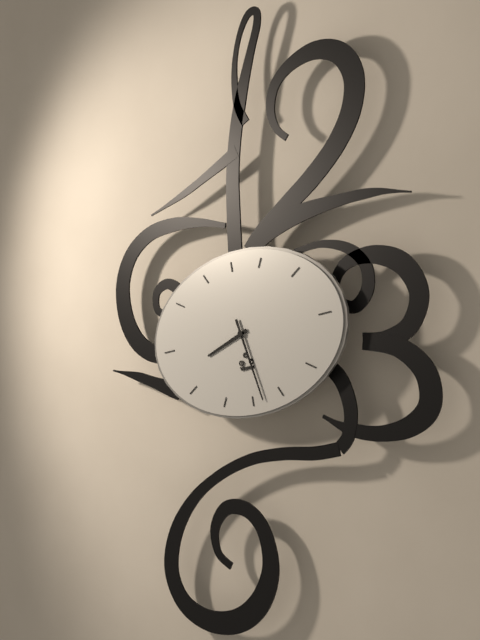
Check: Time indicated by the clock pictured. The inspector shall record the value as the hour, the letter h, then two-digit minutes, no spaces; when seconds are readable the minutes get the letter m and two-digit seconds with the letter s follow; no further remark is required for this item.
8h28
